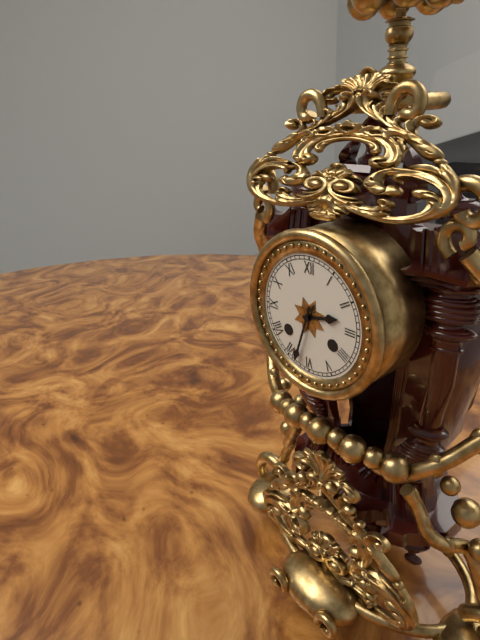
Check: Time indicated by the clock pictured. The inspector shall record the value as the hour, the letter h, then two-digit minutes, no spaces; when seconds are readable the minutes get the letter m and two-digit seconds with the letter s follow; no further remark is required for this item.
2h33
